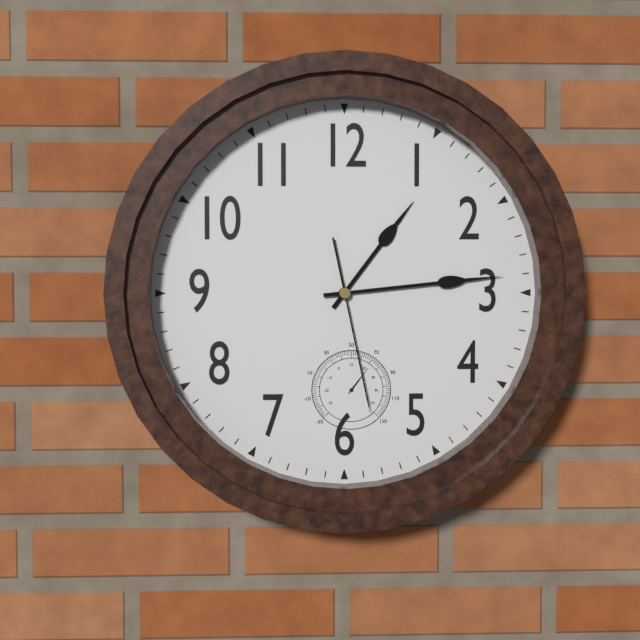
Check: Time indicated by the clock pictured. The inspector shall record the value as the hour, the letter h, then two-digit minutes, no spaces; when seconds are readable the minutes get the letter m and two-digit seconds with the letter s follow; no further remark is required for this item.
1h14m28s
